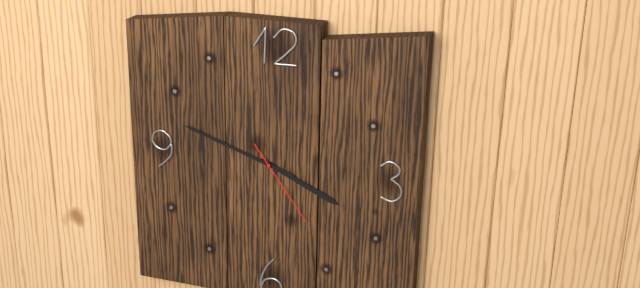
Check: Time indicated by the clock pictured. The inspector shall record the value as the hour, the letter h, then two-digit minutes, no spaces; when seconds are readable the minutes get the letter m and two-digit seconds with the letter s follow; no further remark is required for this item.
3h48m24s
